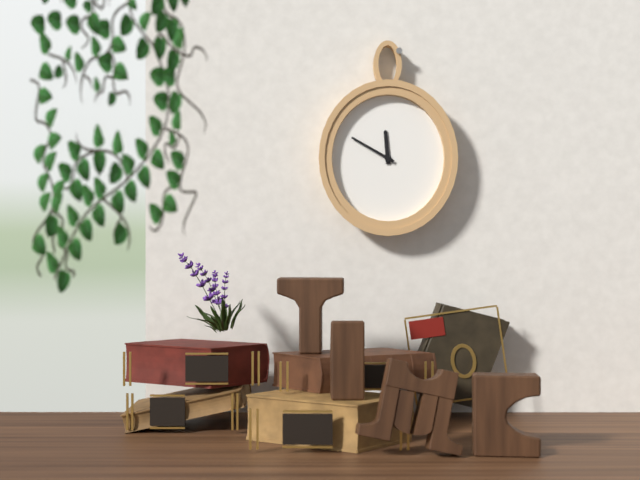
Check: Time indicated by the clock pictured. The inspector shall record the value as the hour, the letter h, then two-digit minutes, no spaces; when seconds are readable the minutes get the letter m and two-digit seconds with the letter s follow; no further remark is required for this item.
11h50
